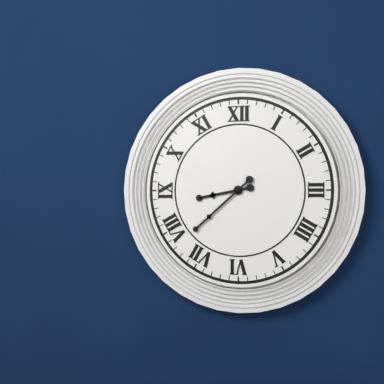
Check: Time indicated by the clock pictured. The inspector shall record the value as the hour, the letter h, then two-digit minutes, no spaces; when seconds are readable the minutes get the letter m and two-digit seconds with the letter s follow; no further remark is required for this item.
8h38
